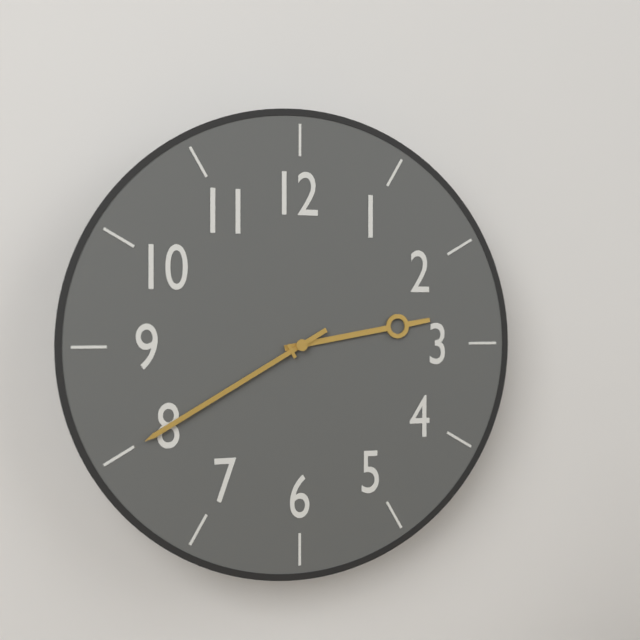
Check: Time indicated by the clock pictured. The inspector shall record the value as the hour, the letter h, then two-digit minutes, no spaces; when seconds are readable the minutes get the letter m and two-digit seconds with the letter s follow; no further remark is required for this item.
2h40
